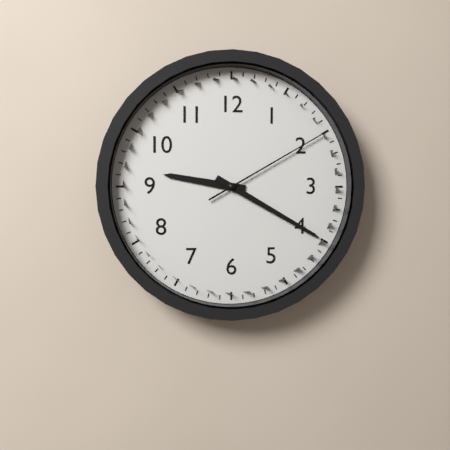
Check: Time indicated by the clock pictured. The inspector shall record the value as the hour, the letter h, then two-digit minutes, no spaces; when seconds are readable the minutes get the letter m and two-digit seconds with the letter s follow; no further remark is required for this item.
9h20m10s
